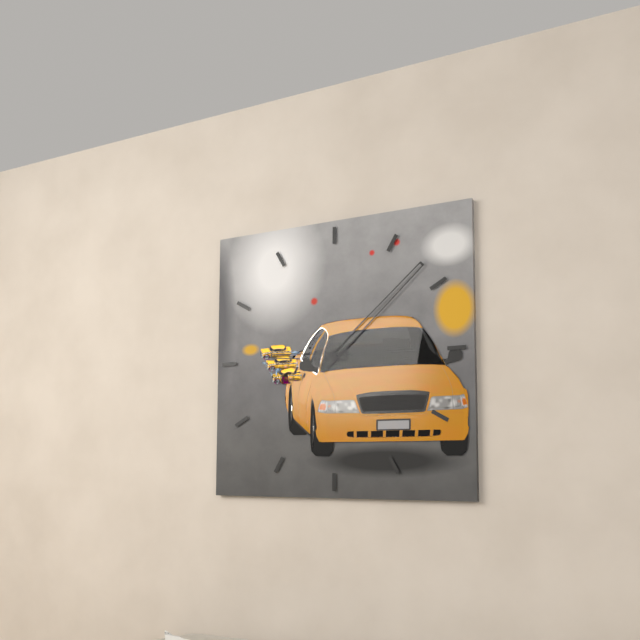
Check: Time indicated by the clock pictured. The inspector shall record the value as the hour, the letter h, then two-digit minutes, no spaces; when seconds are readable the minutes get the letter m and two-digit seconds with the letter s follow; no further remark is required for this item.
9h08
